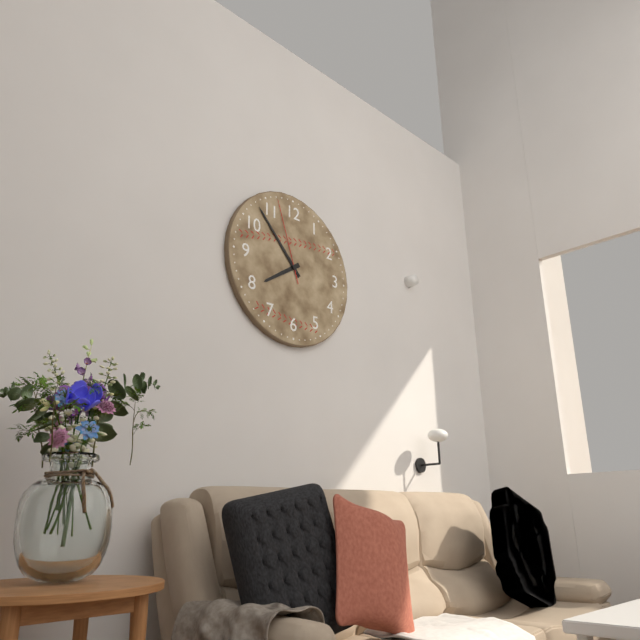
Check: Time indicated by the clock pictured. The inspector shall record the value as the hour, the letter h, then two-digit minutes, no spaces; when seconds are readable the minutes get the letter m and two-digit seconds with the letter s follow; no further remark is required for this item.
7h53m57s
